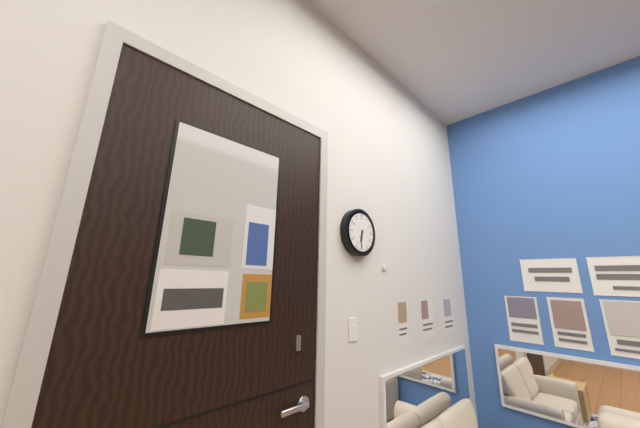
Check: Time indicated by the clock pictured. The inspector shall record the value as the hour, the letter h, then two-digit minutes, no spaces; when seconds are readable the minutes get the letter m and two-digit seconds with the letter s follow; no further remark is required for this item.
6h31
